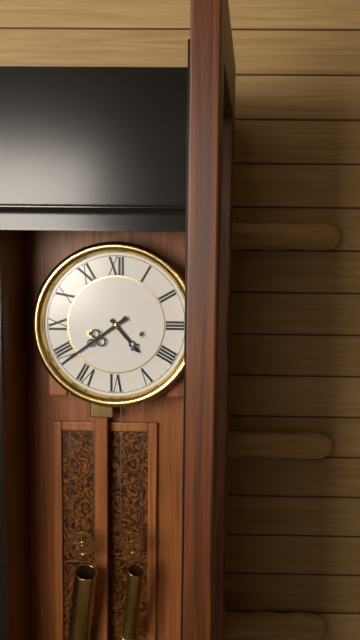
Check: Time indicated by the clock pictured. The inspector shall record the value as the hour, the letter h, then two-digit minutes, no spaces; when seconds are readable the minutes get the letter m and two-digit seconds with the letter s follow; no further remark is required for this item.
4h39
